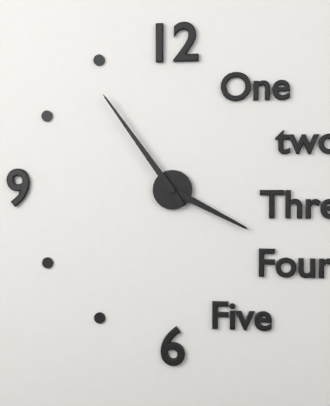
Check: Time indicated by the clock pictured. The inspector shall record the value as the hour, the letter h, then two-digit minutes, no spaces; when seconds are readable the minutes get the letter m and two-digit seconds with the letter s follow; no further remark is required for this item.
3h54
